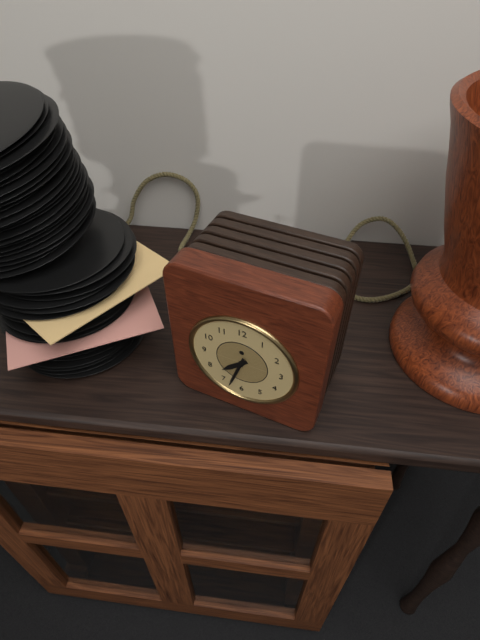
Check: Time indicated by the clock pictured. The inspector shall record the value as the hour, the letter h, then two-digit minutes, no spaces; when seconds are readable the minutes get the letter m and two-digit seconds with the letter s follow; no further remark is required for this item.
7h33
